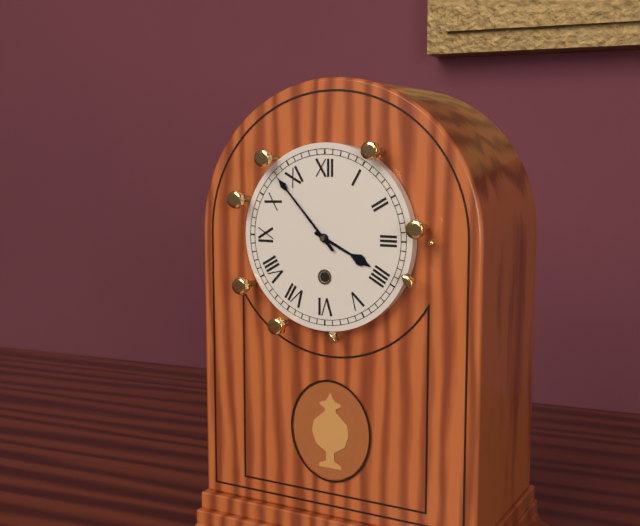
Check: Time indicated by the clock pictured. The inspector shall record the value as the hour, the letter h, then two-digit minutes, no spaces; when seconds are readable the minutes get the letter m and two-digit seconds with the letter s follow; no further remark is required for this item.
3h53
